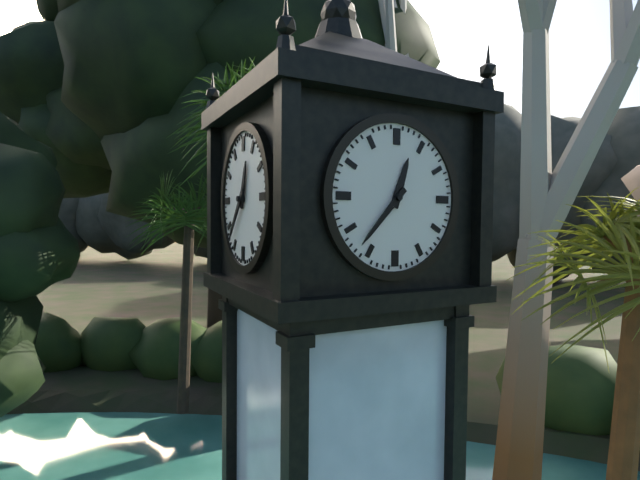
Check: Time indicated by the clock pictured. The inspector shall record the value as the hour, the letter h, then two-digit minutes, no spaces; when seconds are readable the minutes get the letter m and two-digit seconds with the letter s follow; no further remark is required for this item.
12h37
